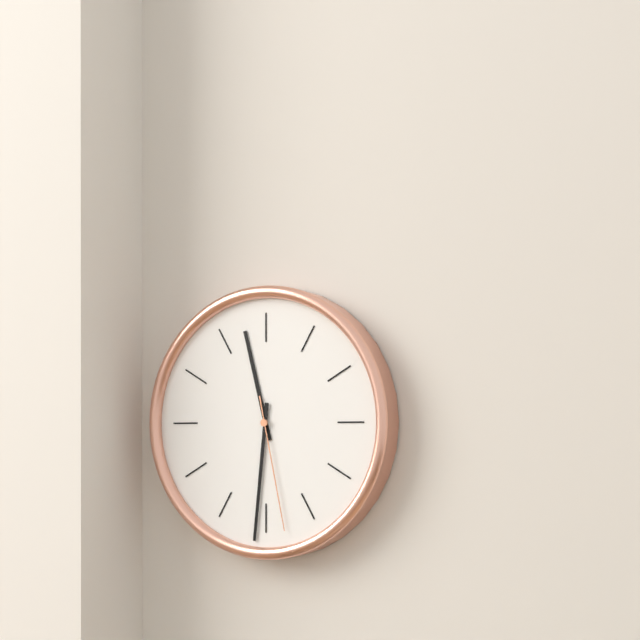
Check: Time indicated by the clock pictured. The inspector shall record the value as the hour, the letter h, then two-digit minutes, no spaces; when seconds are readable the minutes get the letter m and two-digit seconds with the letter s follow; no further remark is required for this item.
11h31m28s
